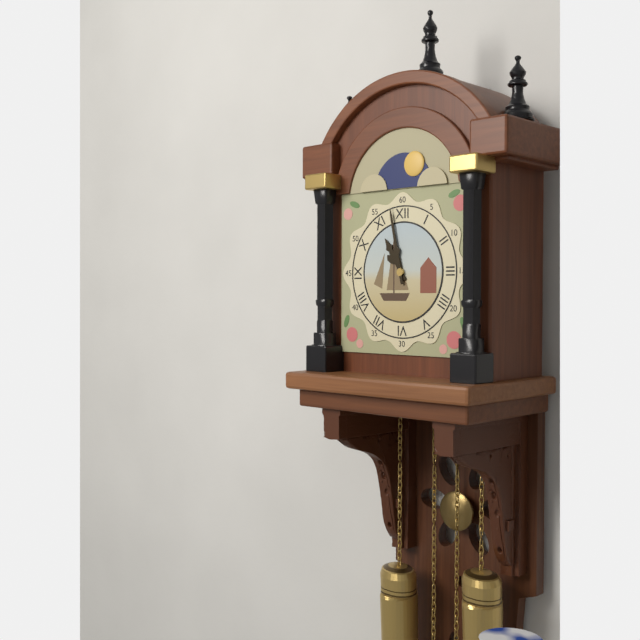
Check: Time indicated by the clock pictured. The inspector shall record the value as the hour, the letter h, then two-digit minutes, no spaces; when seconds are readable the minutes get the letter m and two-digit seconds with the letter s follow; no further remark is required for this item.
10h58
